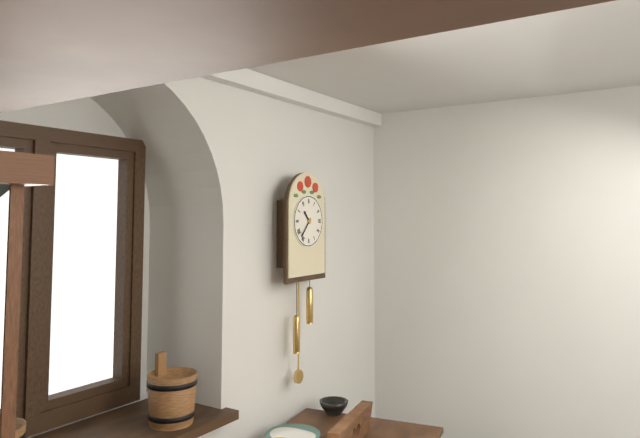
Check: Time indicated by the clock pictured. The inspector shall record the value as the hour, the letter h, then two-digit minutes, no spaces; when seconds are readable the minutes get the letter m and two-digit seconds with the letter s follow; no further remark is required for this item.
10h37
